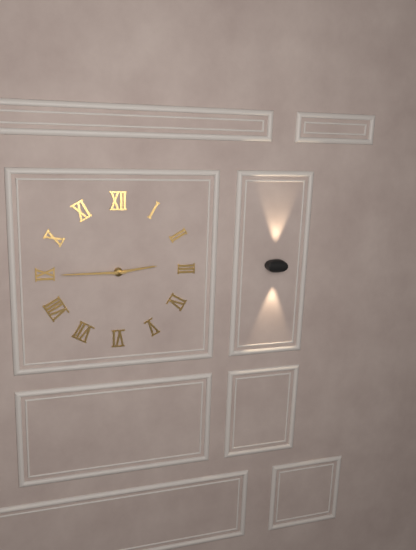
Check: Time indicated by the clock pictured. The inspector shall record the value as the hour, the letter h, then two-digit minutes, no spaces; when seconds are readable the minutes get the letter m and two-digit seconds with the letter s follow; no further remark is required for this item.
2h45
